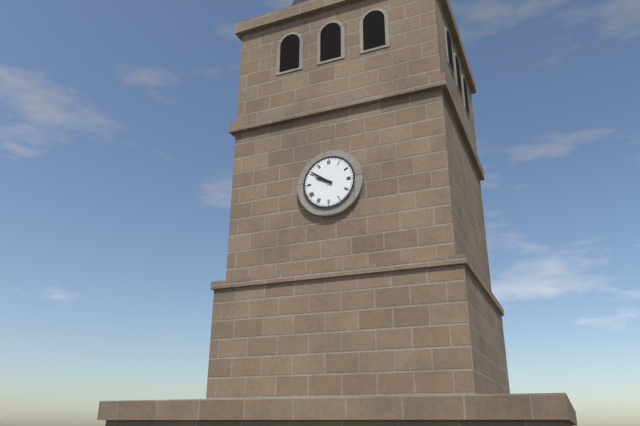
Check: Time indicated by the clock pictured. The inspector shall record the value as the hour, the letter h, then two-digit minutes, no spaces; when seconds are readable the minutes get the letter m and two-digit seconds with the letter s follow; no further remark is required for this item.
9h51
